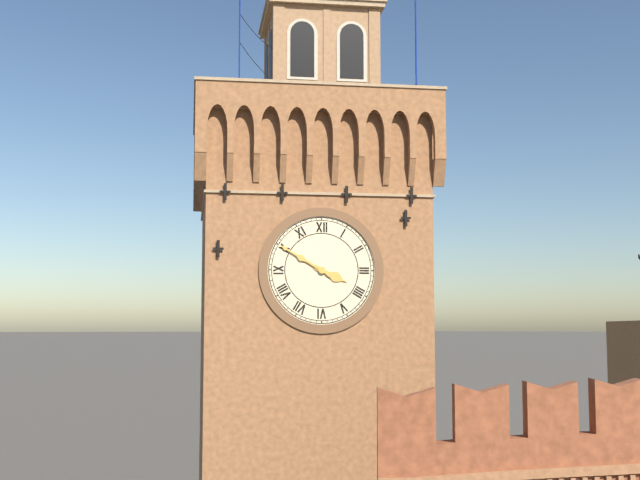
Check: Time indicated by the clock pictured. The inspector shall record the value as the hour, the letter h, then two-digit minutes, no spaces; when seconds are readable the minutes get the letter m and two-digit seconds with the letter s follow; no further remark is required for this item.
3h50
